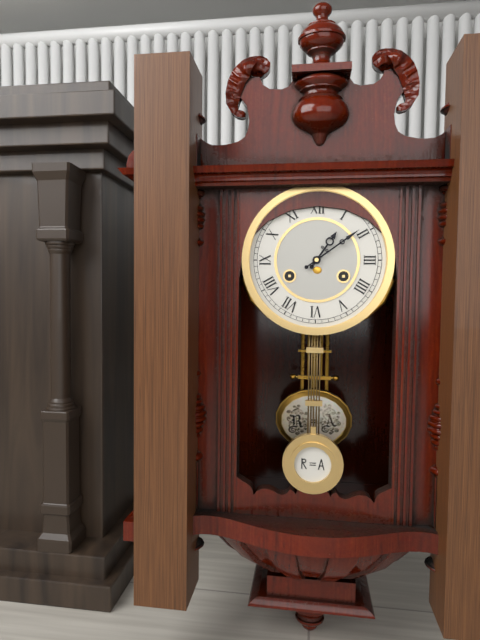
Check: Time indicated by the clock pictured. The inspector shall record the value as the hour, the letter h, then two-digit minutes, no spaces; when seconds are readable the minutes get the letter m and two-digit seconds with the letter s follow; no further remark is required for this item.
1h09
